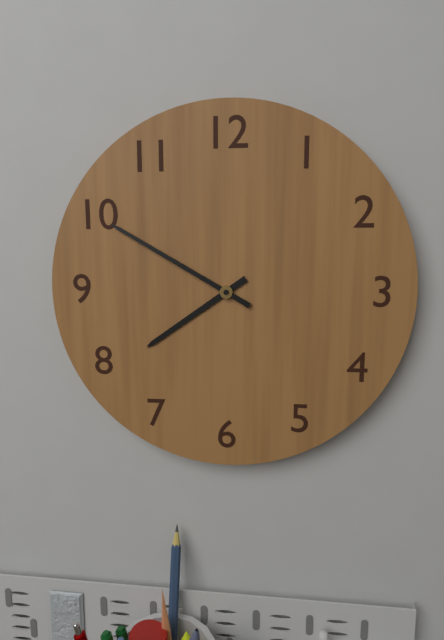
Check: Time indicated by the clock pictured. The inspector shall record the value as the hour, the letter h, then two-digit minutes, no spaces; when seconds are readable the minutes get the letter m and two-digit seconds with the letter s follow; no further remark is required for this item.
7h50
